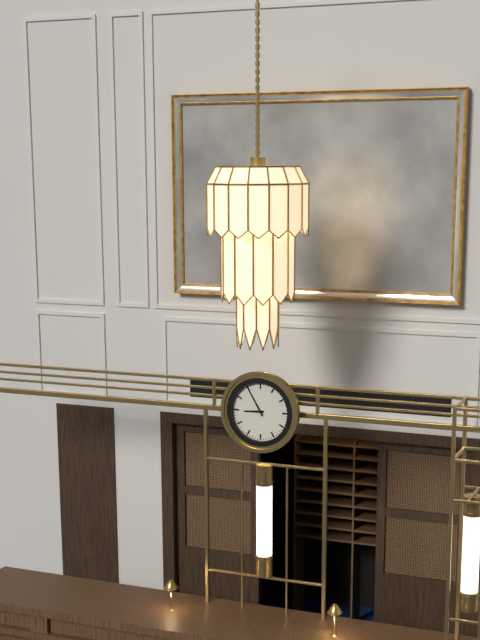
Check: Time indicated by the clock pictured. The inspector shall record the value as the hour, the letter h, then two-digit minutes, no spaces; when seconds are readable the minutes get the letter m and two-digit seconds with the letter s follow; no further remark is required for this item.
8h55
